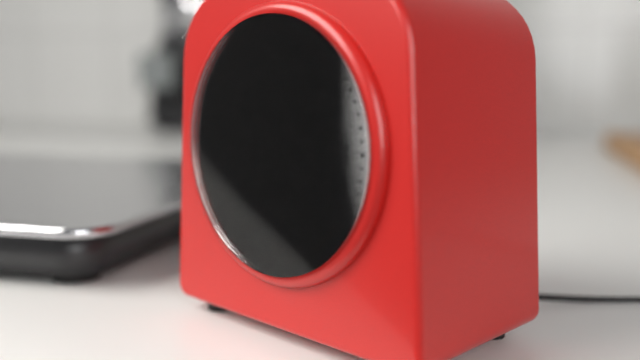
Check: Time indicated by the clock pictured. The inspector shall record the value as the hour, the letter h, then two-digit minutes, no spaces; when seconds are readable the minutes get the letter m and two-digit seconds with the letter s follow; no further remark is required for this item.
3h24
